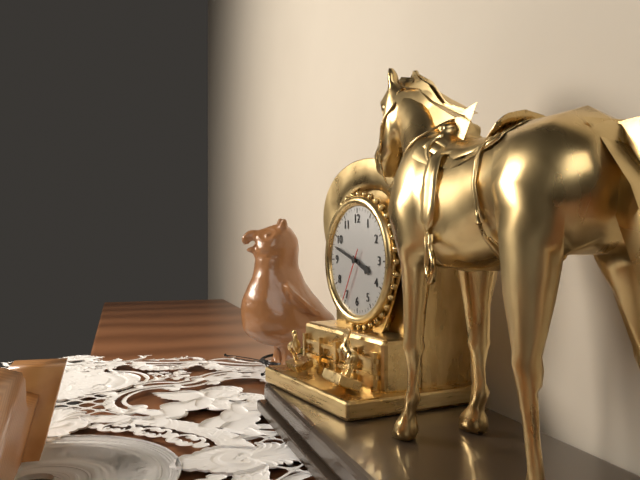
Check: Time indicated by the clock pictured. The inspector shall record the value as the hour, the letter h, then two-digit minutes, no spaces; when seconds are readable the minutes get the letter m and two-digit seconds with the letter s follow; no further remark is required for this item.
3h48m35s
